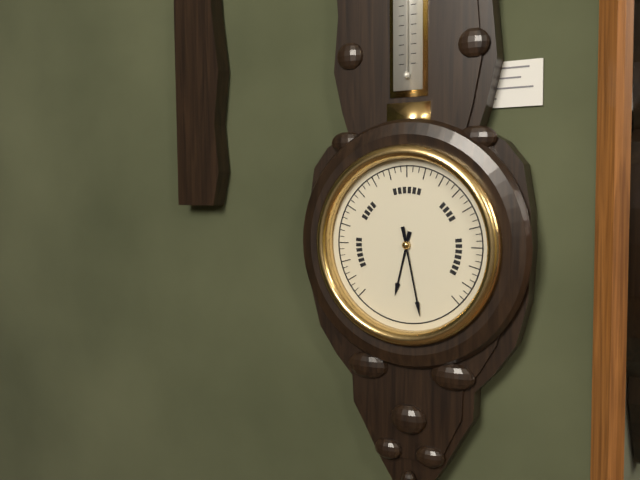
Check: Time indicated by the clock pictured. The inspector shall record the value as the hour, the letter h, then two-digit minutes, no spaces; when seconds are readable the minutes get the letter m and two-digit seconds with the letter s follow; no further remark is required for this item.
6h28
